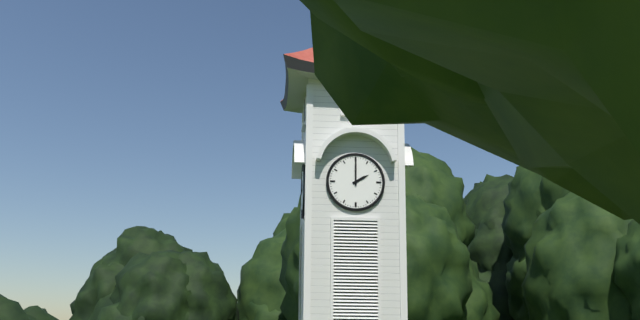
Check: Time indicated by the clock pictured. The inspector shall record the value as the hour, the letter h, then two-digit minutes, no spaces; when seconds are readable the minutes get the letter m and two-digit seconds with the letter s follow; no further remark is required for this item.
2h00
